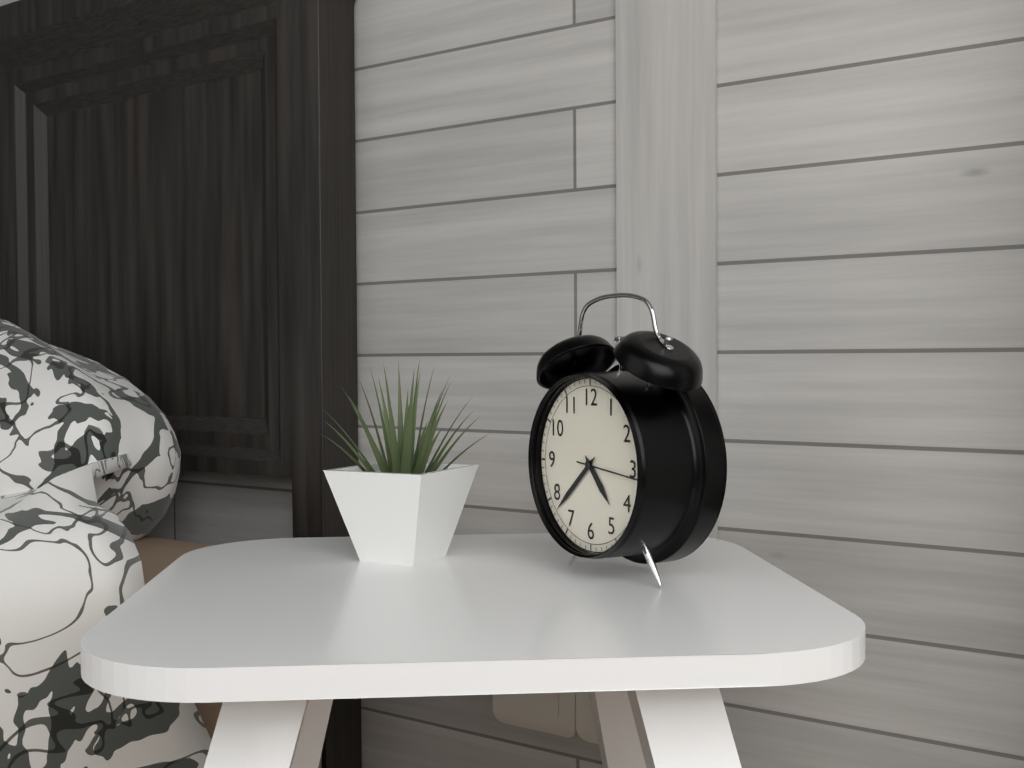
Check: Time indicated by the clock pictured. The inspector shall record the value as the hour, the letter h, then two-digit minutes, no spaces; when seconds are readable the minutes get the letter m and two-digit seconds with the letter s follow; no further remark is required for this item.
4h38m16s
